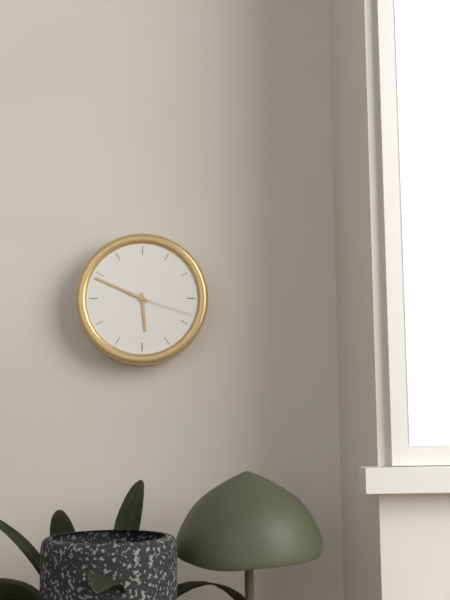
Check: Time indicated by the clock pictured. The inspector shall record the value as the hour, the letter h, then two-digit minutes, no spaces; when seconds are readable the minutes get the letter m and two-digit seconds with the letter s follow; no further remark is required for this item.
5h49m18s
